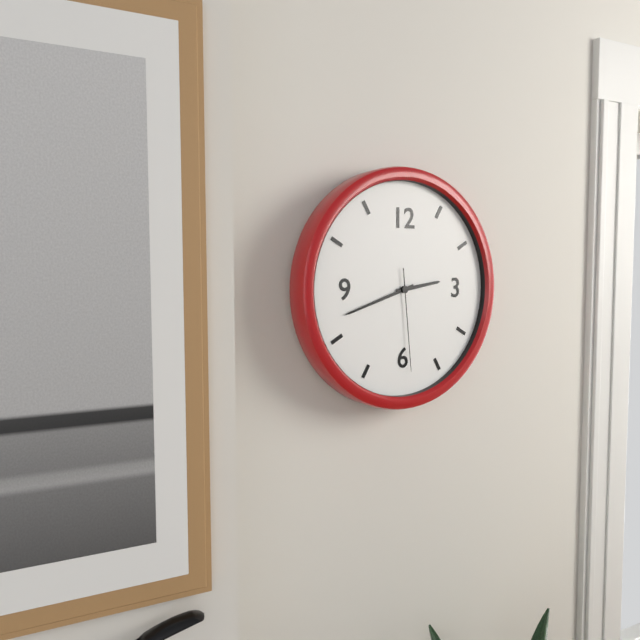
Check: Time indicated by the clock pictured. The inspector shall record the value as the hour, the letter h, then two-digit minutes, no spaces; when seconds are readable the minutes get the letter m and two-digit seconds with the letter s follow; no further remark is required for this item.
2h42m29s
